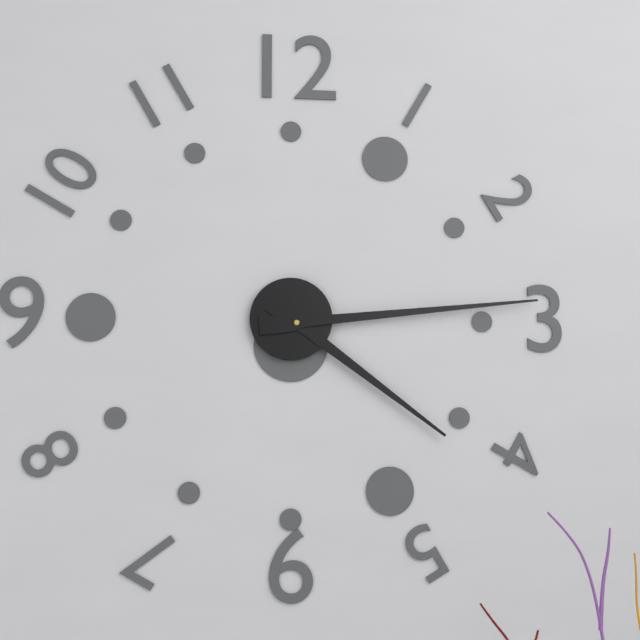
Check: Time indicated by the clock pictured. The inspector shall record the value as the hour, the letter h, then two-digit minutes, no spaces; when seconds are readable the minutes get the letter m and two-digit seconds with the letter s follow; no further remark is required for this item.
4h14
